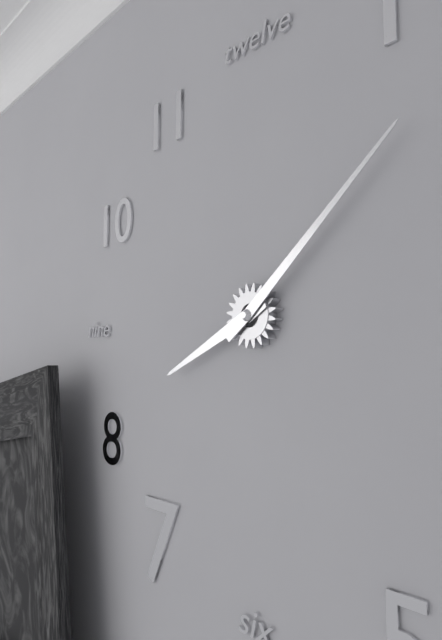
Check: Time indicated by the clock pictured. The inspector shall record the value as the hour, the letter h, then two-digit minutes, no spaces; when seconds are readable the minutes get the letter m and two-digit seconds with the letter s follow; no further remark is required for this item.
8h08
